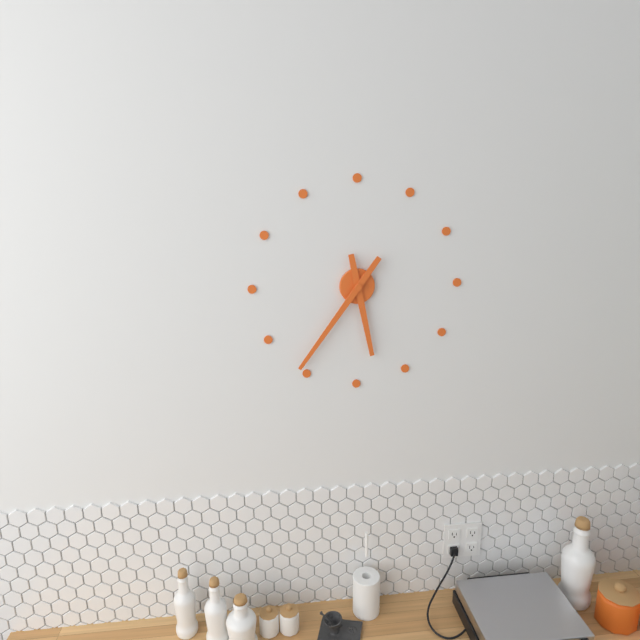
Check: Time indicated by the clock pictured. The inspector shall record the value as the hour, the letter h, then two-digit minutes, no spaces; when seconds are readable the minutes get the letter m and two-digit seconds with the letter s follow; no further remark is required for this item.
5h36
